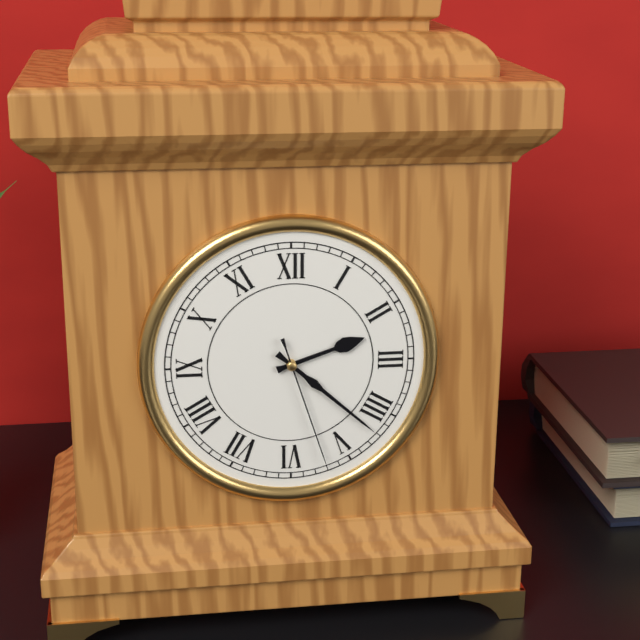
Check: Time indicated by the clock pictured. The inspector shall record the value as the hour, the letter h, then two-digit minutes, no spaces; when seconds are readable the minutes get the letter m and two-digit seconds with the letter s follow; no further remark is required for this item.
2h22m27s
